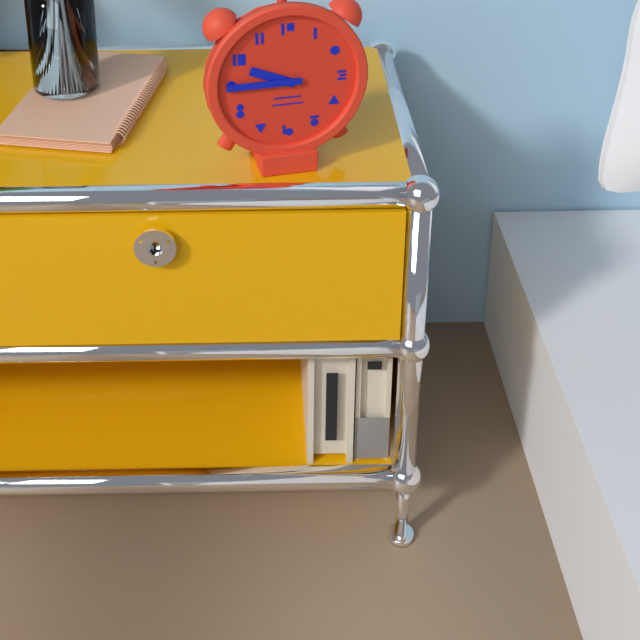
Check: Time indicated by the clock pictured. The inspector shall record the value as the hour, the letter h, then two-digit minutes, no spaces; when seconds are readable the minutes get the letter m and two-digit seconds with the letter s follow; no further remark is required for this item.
9h45
